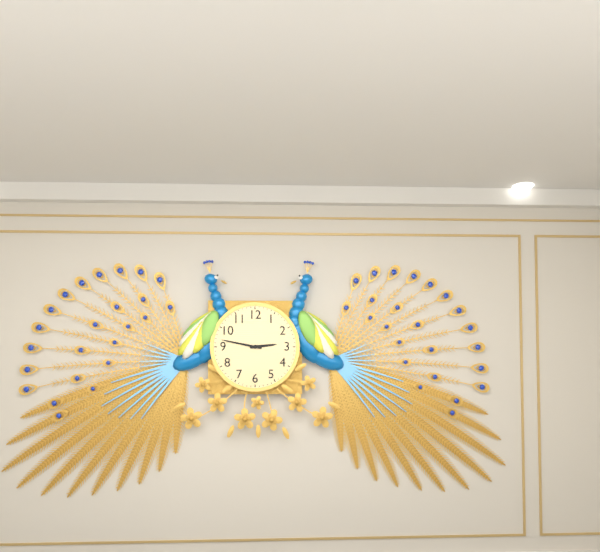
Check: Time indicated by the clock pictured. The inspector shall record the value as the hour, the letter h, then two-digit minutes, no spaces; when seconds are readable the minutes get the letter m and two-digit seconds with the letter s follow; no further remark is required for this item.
2h47
